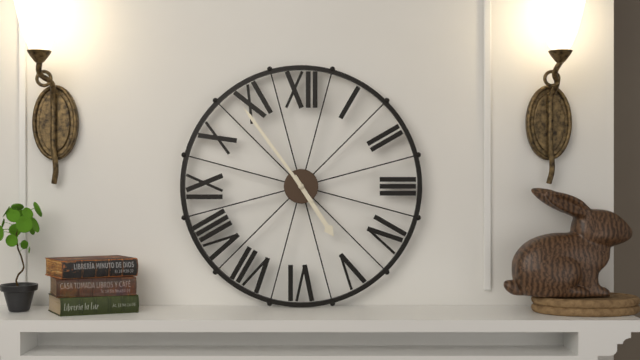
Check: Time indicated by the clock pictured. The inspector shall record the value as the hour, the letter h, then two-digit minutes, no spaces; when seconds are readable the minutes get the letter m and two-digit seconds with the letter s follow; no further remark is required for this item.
4h54
